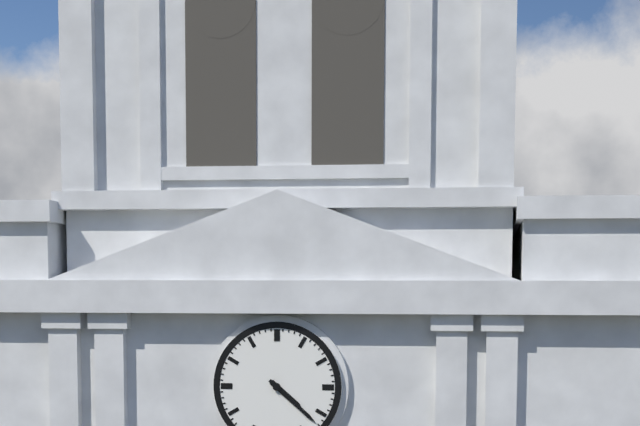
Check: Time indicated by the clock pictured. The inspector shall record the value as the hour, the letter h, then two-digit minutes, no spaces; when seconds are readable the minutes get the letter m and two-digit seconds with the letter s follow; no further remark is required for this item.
4h22
